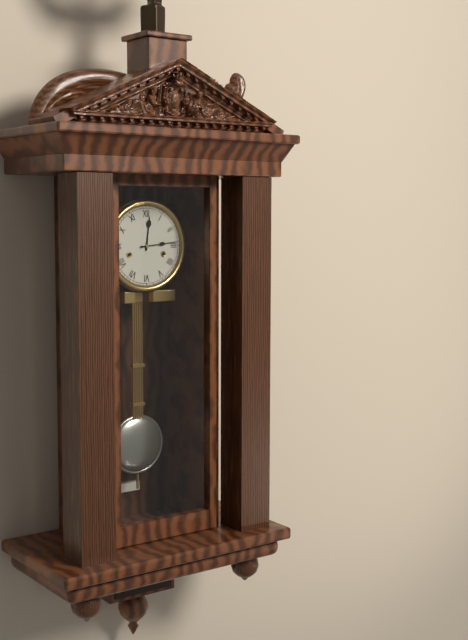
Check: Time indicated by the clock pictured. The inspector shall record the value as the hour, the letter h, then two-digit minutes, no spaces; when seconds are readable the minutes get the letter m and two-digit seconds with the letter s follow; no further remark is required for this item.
12h14
